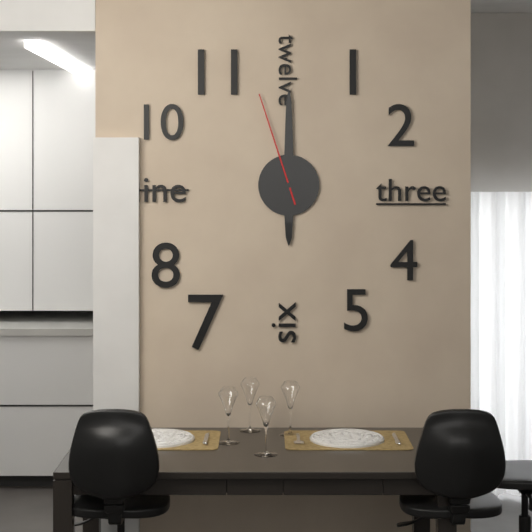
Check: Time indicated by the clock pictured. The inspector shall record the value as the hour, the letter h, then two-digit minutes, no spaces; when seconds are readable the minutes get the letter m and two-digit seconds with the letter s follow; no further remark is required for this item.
6h00m57s
